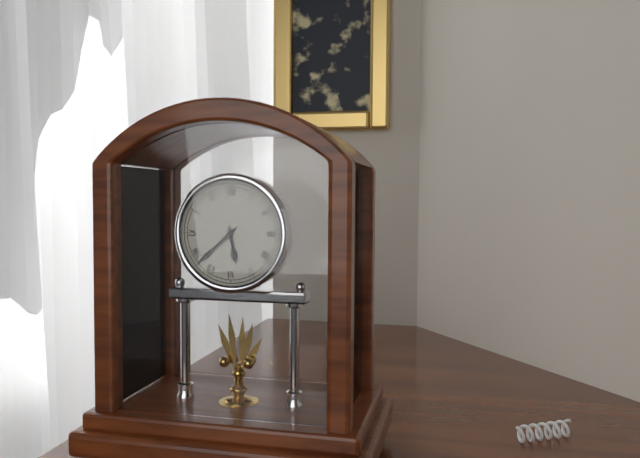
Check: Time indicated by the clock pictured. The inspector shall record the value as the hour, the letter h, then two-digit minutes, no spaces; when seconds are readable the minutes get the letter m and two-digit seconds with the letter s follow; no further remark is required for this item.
5h38
